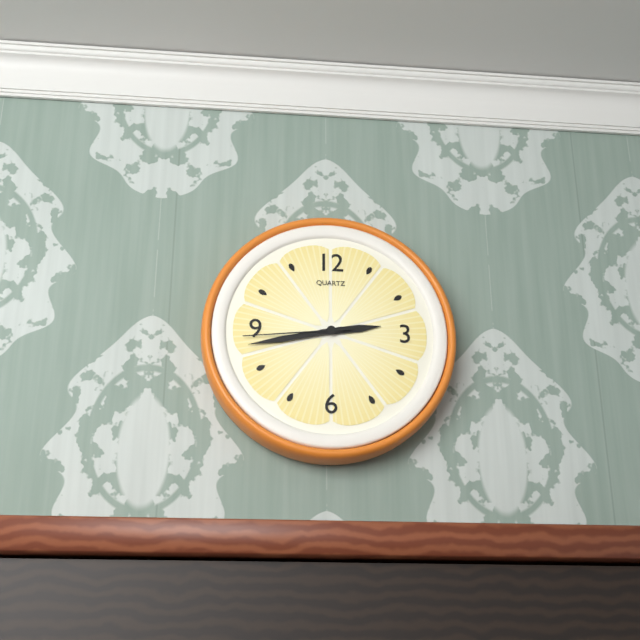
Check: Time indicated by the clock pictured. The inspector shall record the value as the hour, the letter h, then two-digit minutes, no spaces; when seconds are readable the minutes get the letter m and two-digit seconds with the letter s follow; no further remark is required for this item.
2h43m44s
